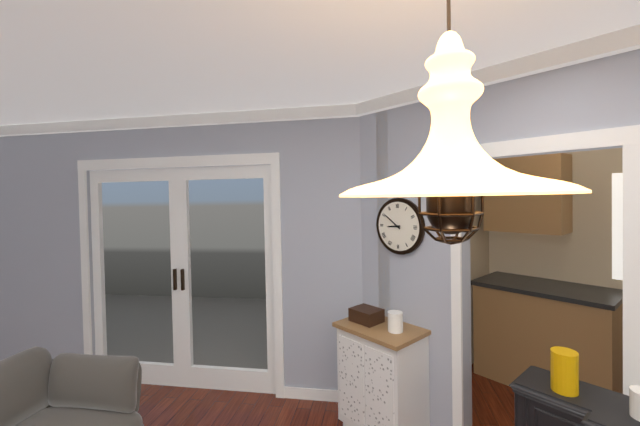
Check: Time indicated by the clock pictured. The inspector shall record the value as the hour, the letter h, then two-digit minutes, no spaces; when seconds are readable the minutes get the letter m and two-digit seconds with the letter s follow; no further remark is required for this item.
8h51
